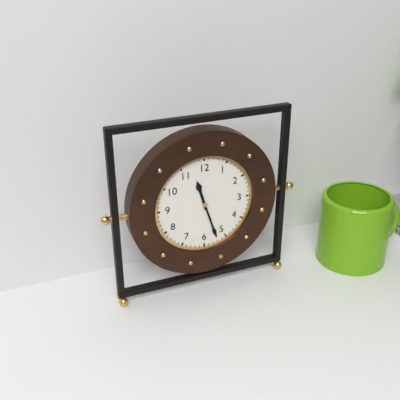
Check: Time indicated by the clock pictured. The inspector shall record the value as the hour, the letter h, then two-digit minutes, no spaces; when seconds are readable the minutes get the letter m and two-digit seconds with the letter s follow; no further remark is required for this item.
11h27
